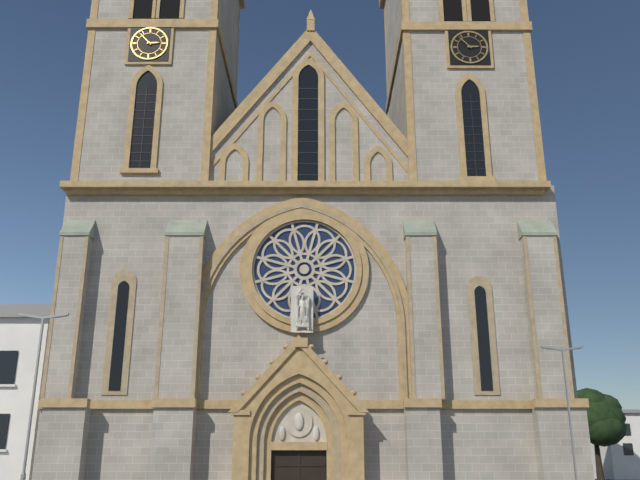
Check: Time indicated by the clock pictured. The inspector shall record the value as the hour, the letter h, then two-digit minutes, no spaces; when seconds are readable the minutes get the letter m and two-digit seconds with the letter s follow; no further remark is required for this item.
2h53
